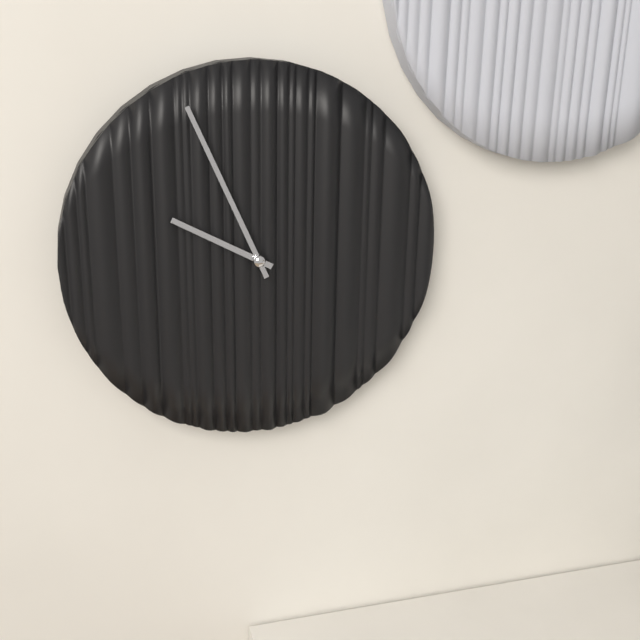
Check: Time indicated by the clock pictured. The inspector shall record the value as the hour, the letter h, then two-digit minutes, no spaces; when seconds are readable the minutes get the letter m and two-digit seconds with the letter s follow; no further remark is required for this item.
9h56
